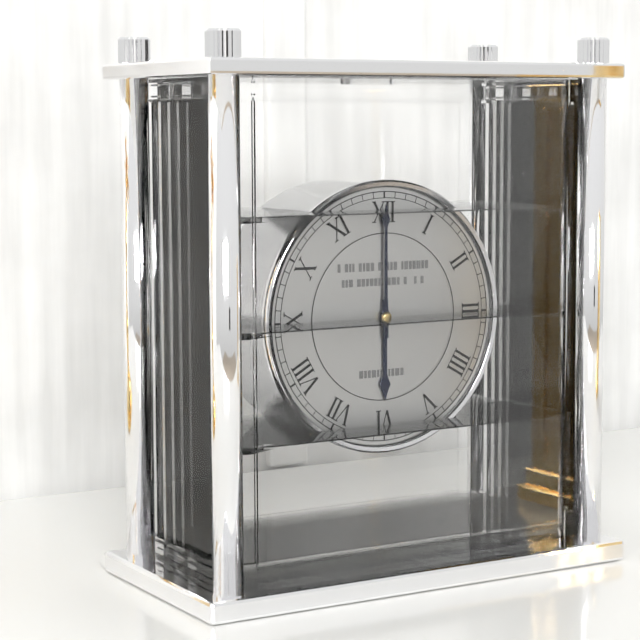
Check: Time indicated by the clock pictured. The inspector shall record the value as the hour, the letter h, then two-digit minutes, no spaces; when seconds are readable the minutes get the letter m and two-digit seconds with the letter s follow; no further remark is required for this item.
6h00
